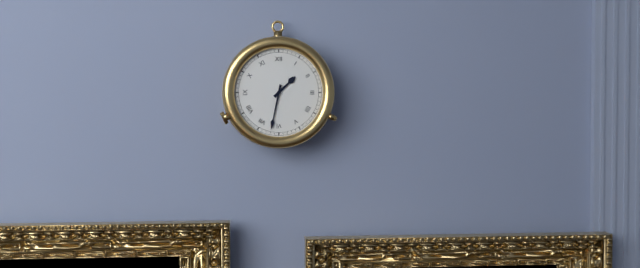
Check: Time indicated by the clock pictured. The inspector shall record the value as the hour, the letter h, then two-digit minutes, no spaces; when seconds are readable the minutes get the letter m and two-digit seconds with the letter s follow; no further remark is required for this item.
1h32
